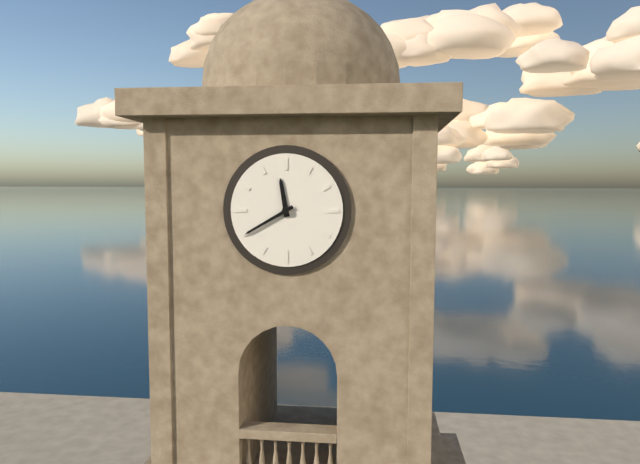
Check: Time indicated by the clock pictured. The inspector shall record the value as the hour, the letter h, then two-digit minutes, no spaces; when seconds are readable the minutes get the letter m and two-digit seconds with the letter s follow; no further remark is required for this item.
11h40
